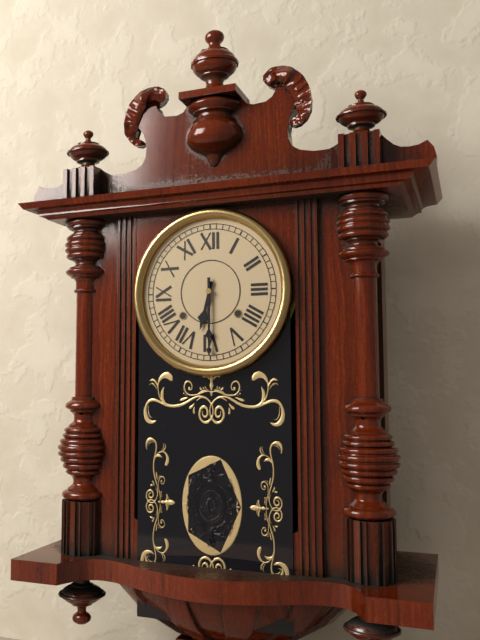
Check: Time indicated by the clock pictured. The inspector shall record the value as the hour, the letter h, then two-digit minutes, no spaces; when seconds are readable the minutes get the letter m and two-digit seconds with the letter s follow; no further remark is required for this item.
6h30
